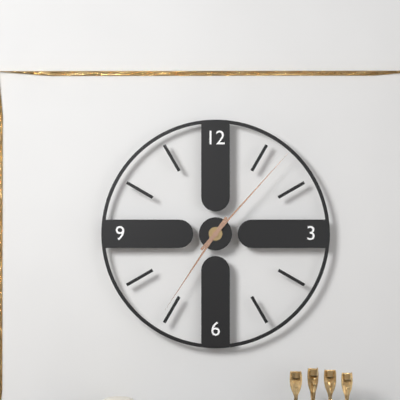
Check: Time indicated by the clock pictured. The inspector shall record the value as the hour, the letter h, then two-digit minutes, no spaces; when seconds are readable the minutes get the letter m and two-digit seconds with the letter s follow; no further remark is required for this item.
7h07
